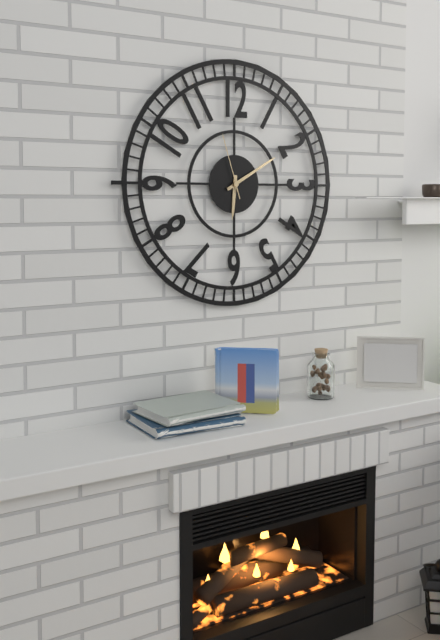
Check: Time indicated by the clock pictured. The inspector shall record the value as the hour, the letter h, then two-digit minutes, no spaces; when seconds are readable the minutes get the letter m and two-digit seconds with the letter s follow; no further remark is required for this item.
6h10m57s
